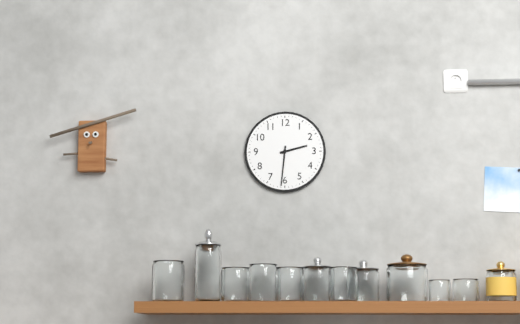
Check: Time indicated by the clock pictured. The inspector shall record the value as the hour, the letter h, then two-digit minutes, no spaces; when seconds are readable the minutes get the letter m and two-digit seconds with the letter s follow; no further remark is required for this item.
2h31
